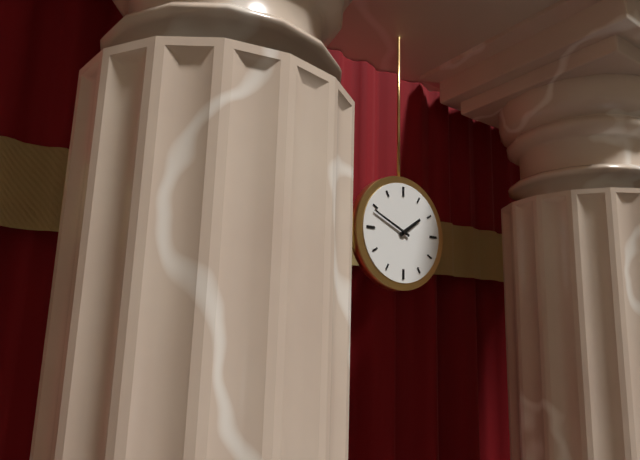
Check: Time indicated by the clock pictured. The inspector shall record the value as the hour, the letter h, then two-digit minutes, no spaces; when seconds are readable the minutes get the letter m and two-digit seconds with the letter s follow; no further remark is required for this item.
1h49
